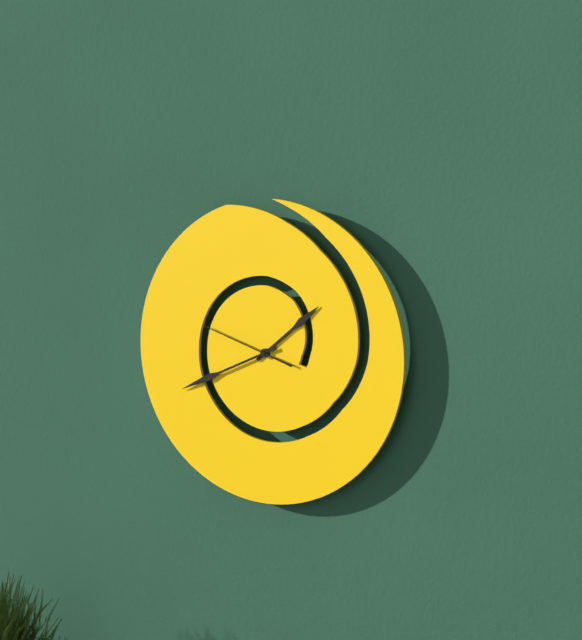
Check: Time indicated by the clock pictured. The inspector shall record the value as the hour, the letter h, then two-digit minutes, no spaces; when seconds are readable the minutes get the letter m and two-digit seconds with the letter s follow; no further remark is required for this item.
1h41m48s
